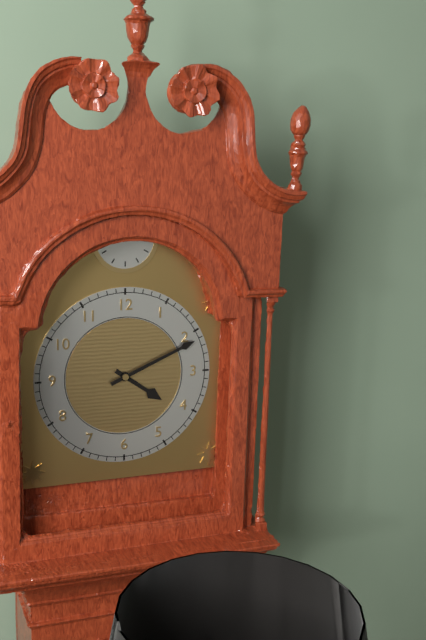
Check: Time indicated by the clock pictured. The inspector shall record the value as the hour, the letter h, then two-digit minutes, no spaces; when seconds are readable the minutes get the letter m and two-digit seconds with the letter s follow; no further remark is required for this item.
4h11
